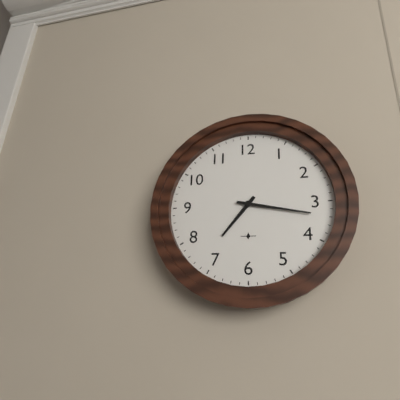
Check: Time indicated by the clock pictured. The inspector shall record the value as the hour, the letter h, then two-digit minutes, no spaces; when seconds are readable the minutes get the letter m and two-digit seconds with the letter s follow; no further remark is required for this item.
7h17
